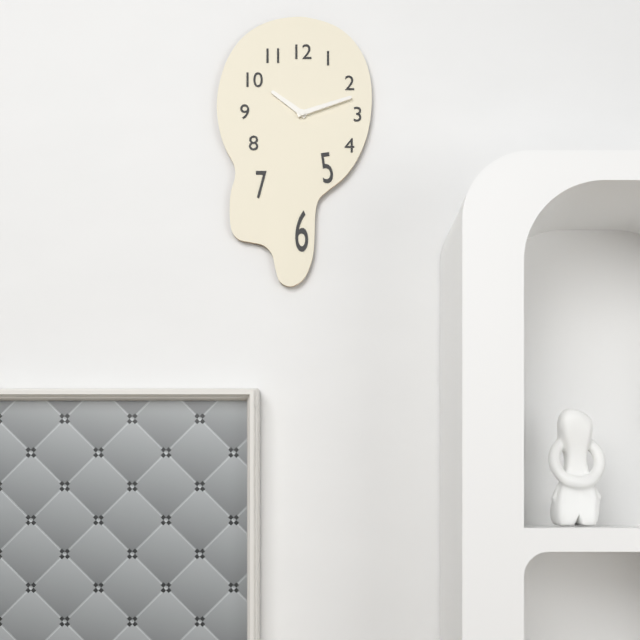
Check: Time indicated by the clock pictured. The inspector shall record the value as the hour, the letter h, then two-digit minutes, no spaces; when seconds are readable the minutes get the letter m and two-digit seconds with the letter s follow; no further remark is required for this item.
10h12
